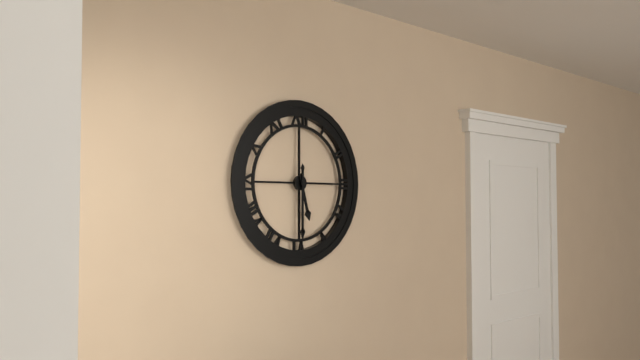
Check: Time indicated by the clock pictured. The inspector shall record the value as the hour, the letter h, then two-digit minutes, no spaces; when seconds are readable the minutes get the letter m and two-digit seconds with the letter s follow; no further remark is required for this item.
5h30
